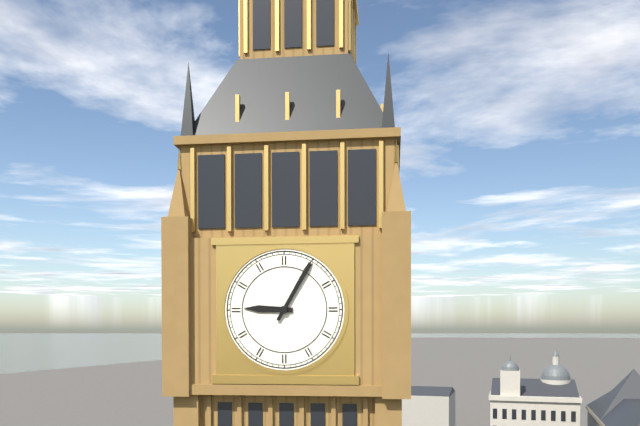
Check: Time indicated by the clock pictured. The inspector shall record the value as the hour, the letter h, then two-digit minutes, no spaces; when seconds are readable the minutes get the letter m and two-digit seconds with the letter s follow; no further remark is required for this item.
9h05
